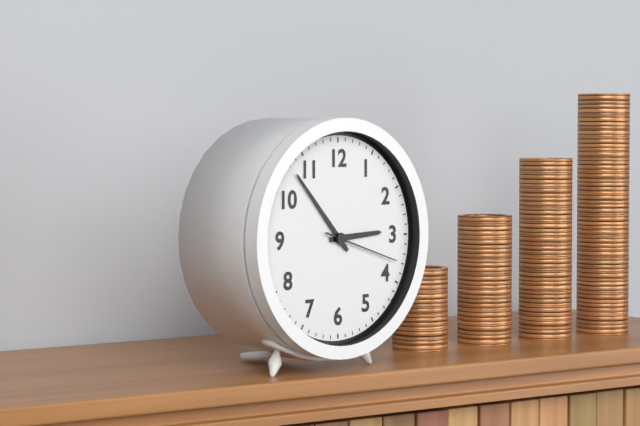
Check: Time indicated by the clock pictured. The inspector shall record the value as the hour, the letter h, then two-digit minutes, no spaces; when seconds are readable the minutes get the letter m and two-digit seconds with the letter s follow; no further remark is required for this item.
2h53m18s
